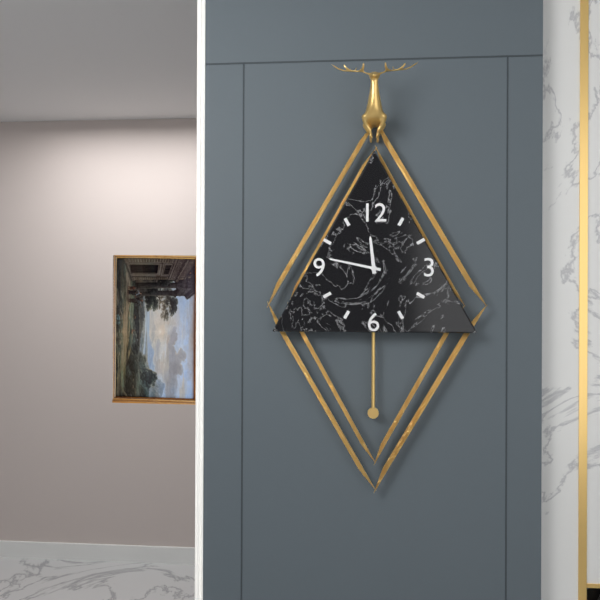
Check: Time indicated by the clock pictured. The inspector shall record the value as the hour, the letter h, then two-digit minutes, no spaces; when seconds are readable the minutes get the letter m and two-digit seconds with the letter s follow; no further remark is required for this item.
11h47
